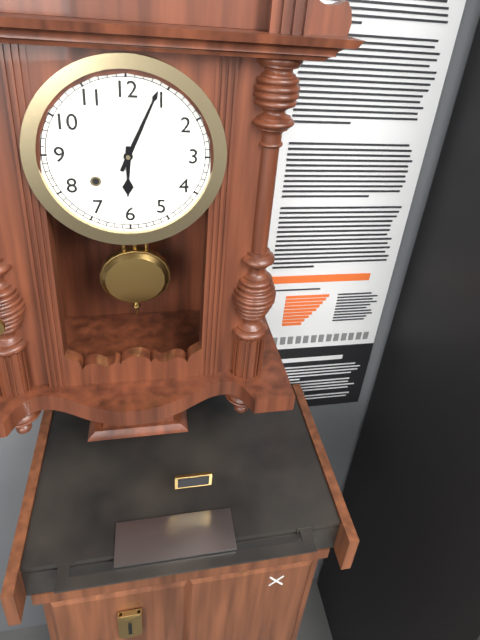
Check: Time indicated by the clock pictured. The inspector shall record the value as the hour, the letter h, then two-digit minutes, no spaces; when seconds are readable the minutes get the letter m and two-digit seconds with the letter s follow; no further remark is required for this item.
6h04
